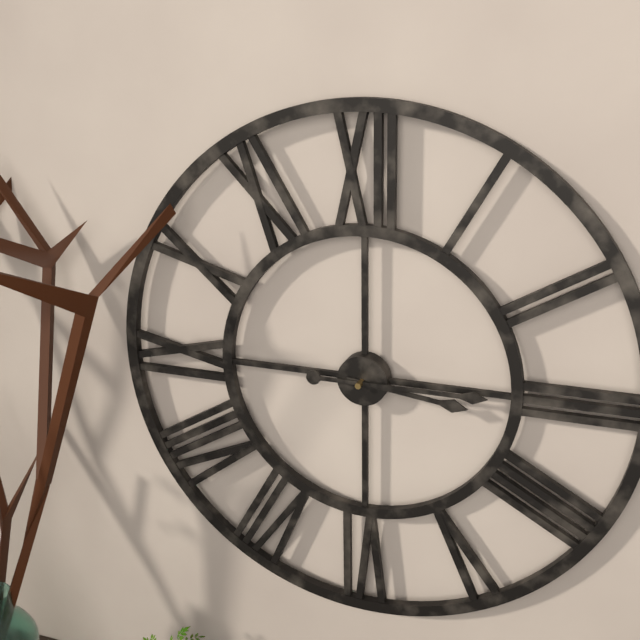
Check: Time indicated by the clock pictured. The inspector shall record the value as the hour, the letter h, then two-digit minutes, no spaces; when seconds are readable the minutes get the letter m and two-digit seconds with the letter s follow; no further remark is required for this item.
3h15
